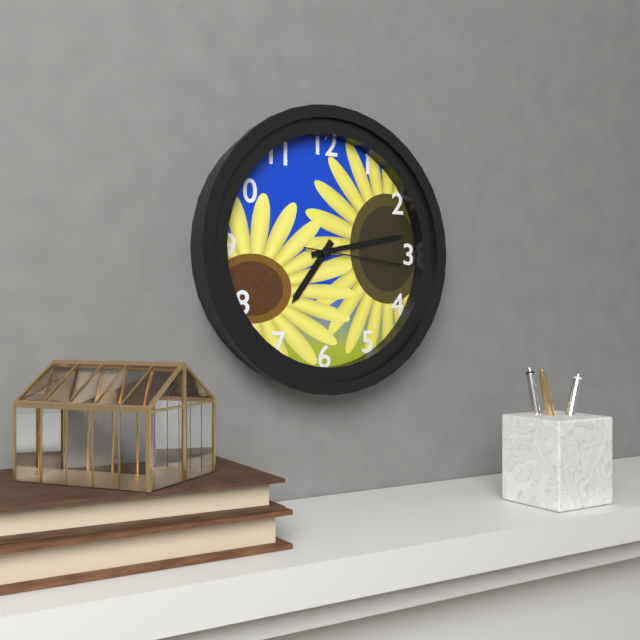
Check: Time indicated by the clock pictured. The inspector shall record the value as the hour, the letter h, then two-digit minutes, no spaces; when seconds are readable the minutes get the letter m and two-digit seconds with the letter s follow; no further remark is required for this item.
7h13m16s
